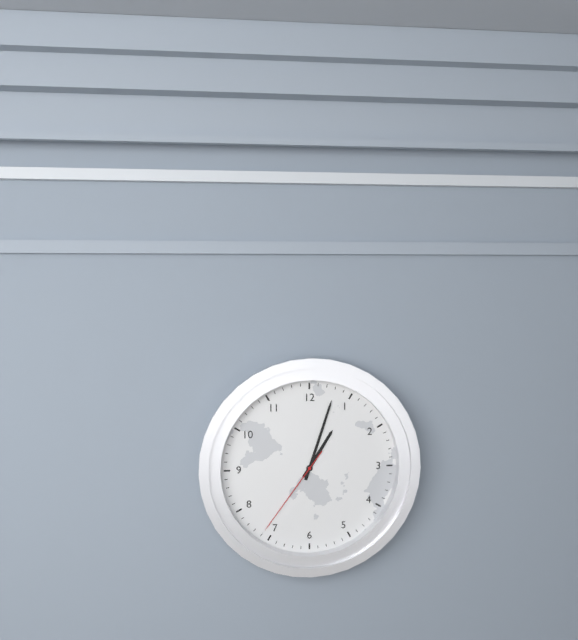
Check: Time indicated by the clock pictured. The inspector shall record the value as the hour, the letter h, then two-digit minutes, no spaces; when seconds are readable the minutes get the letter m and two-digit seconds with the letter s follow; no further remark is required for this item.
1h03m36s
